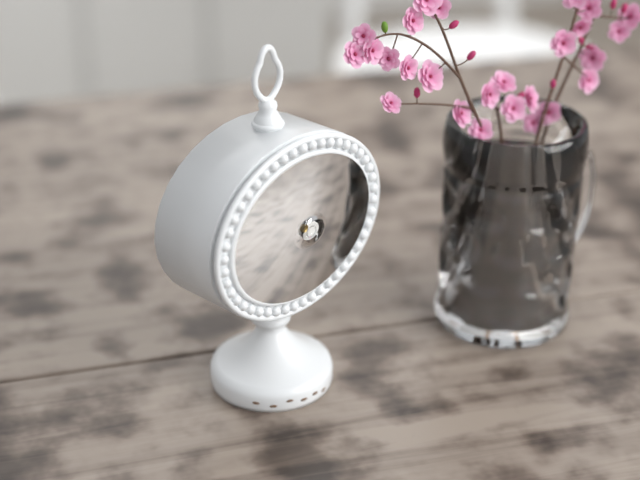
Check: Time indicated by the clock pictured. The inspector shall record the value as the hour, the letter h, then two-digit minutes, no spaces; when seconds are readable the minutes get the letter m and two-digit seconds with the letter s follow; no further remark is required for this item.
12h36
